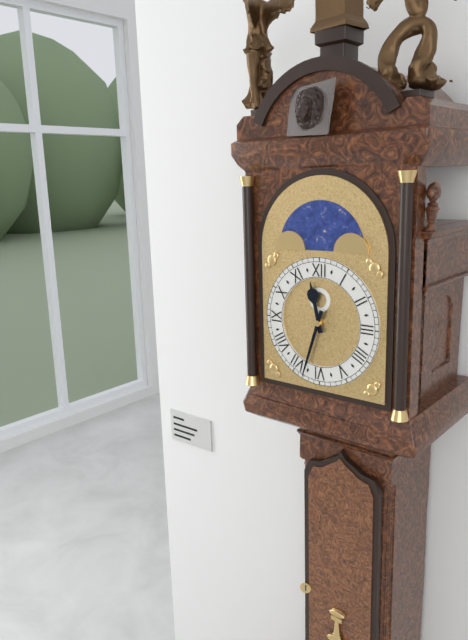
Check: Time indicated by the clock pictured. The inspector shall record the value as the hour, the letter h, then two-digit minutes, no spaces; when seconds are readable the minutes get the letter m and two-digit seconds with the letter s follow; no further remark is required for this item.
11h33
